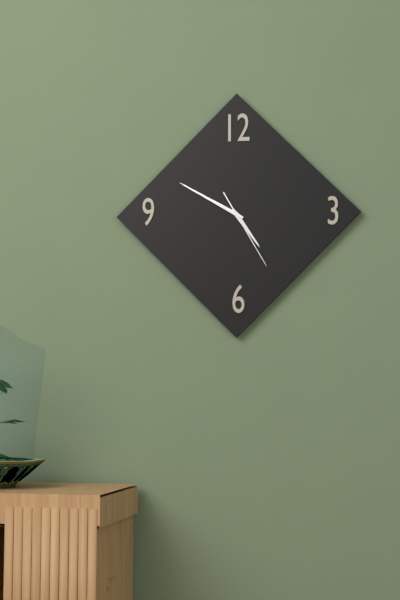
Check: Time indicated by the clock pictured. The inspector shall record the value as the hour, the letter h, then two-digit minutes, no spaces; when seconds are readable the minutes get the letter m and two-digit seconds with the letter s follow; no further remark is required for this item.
4h50m25s
